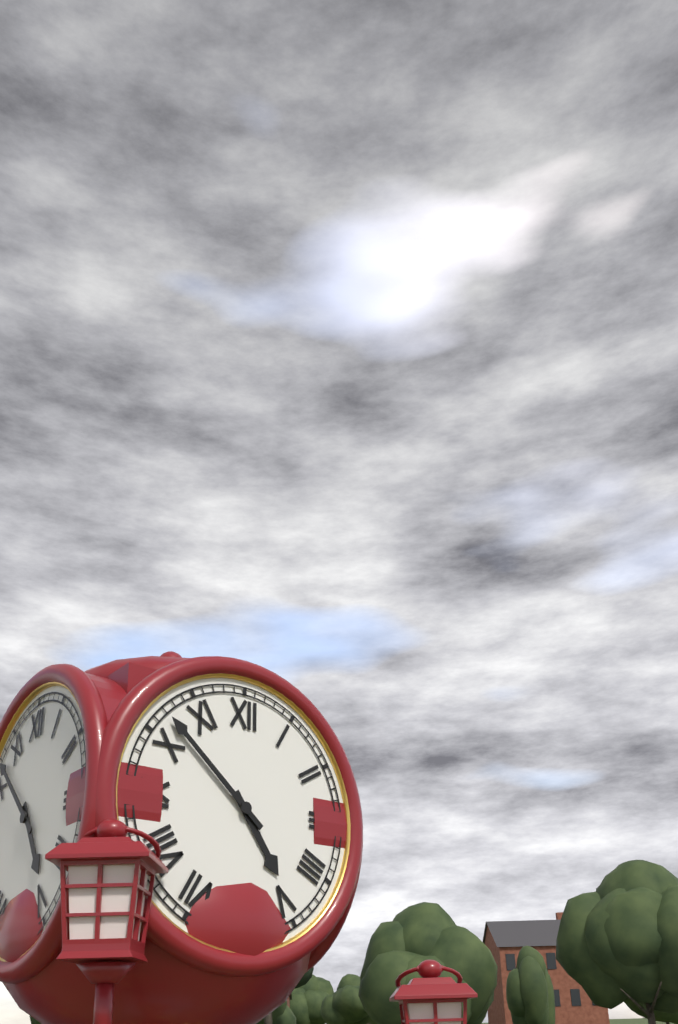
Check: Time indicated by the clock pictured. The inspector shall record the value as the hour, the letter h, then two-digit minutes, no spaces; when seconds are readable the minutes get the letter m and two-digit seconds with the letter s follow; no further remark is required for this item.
4h52
